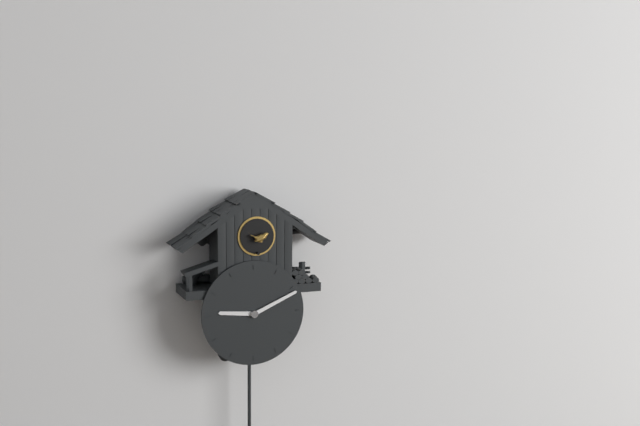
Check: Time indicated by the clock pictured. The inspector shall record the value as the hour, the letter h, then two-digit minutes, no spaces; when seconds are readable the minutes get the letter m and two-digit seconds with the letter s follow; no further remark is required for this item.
9h11
